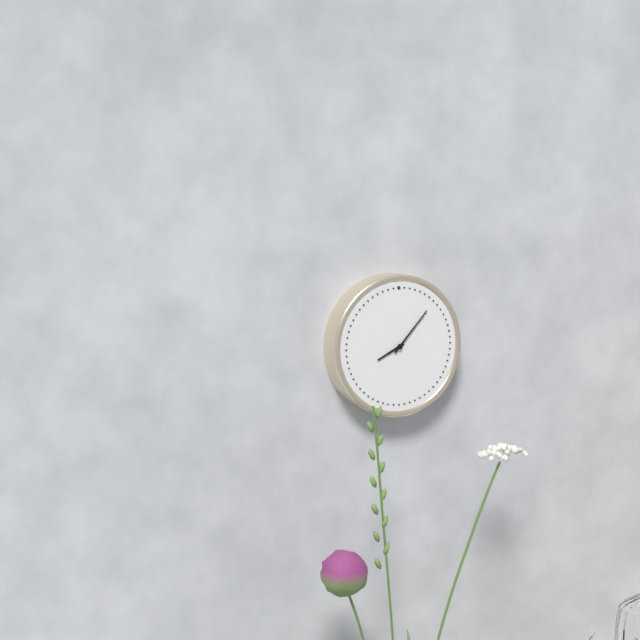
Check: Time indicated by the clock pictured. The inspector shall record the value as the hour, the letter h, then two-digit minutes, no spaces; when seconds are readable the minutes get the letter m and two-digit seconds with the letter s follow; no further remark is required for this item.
8h07
